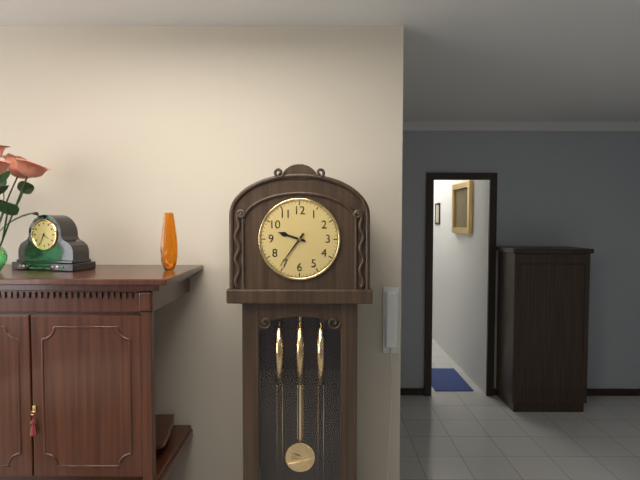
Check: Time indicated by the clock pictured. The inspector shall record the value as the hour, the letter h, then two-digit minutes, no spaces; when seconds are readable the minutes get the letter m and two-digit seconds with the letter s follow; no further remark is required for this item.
9h36
